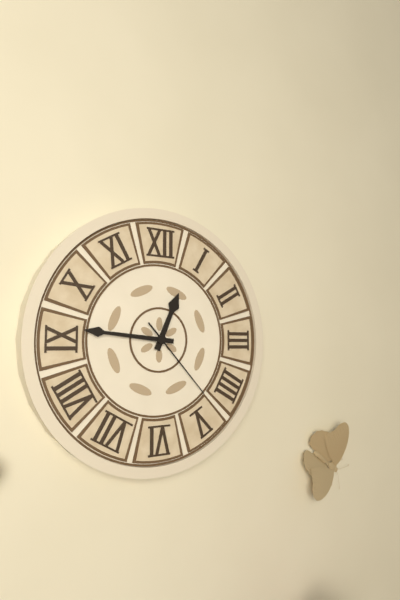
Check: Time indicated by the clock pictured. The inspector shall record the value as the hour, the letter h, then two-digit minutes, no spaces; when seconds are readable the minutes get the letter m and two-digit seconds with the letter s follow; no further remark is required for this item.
12h46m23s
